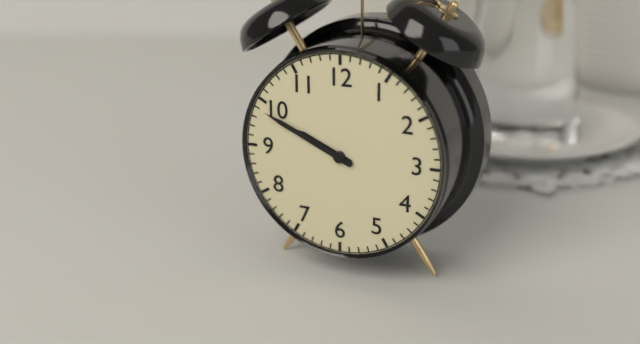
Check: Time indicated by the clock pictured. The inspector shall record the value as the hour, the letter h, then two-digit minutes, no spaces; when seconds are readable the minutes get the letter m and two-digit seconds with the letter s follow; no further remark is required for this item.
9h49
